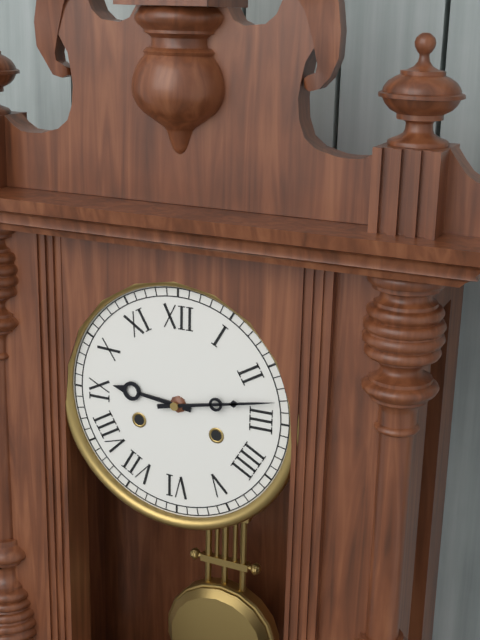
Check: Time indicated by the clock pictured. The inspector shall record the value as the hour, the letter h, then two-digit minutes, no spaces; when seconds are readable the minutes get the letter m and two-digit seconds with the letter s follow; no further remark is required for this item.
9h13
